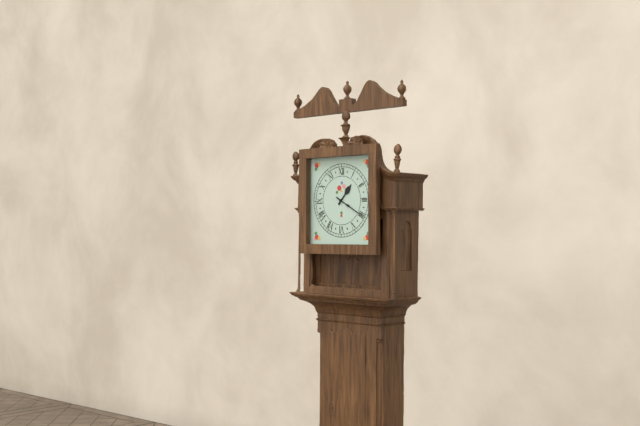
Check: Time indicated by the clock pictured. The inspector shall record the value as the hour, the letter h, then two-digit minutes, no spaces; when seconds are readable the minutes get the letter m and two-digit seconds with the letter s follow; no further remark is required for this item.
1h20
